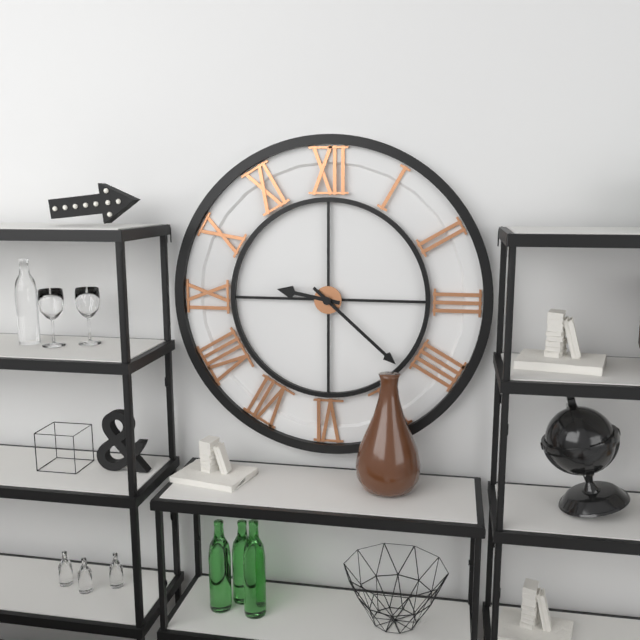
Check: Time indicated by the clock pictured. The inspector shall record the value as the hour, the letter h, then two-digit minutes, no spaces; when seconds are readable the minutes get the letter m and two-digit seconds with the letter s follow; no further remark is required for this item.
9h22
